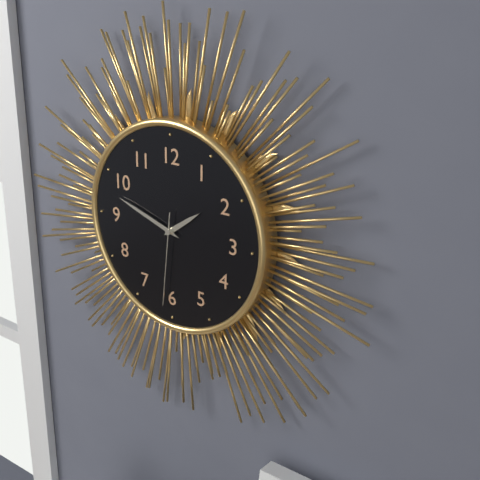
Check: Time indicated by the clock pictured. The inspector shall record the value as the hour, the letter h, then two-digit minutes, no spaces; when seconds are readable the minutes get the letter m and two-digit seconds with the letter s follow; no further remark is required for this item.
1h48m31s
